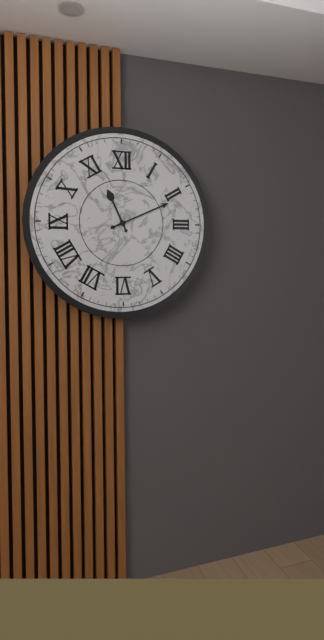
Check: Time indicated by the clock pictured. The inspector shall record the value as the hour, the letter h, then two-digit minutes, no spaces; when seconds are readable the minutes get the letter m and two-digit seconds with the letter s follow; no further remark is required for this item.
11h11
